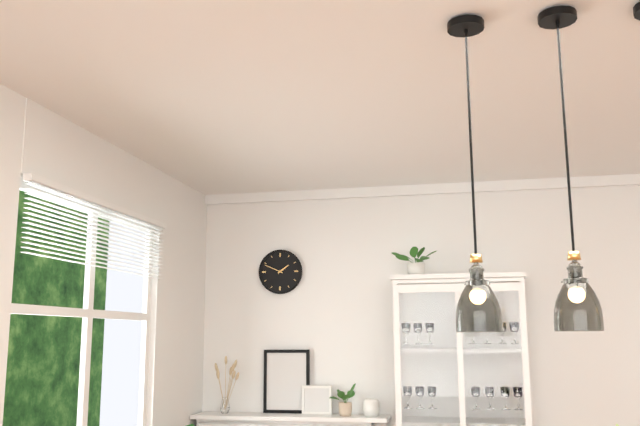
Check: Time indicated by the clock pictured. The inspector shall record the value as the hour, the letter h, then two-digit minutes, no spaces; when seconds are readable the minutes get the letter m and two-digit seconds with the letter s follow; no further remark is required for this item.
1h49
